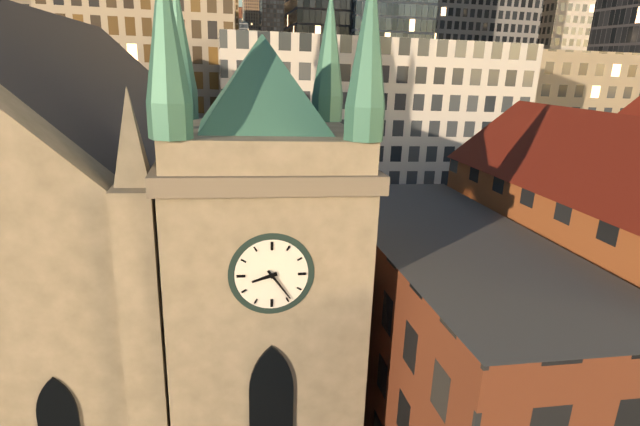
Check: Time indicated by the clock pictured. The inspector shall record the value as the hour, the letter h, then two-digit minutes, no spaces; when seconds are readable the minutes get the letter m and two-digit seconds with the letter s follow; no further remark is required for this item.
8h24
